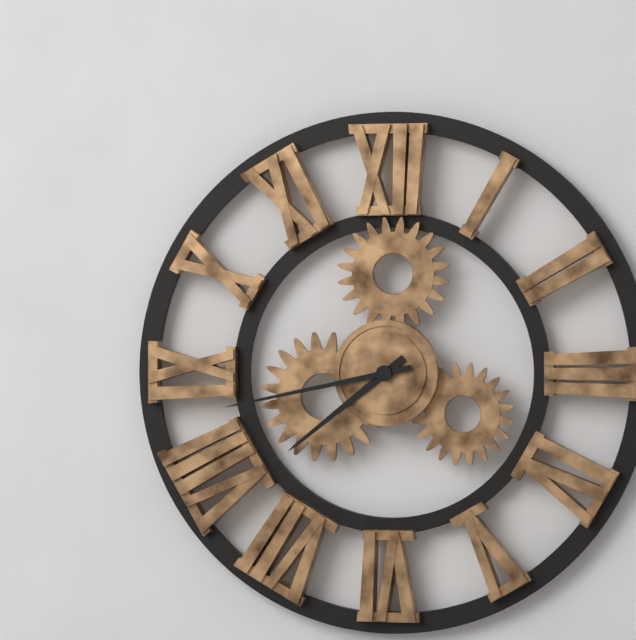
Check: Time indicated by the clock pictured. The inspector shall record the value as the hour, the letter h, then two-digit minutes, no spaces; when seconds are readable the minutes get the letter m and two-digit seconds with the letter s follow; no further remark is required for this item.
7h43
